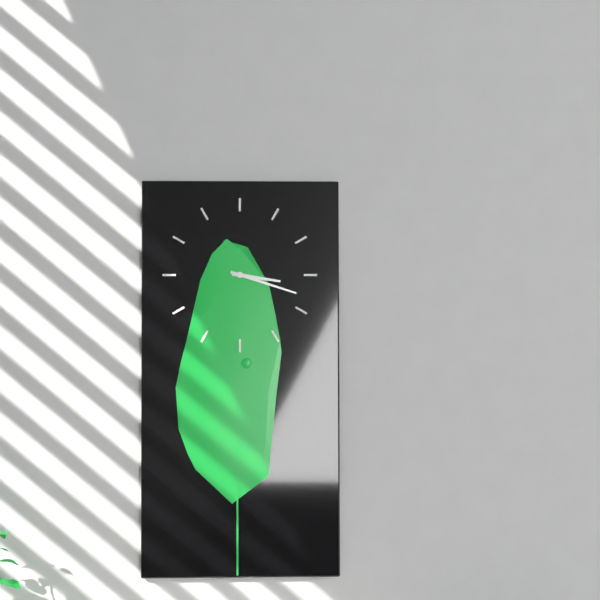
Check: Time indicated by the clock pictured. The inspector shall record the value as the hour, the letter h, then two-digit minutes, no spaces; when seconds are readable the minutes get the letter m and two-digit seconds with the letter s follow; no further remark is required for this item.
3h18
